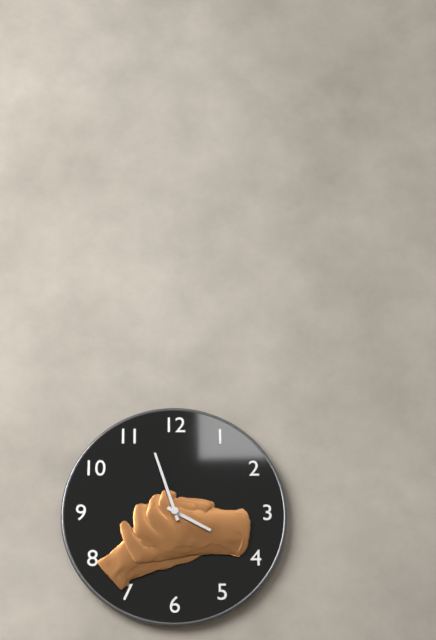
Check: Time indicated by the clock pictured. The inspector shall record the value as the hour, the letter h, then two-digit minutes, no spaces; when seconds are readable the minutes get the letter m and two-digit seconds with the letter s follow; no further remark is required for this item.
3h57
